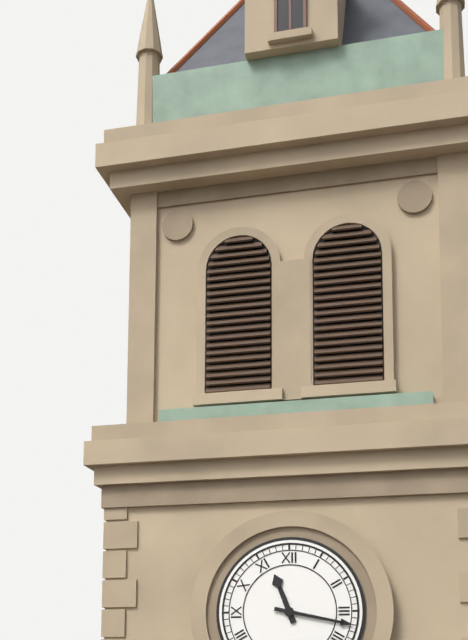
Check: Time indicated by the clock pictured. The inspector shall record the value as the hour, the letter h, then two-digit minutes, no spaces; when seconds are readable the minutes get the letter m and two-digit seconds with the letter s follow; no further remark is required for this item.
11h17
